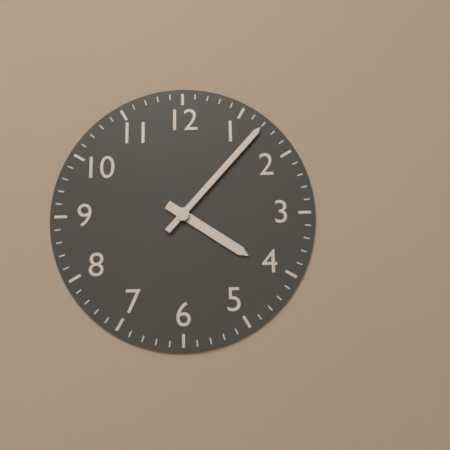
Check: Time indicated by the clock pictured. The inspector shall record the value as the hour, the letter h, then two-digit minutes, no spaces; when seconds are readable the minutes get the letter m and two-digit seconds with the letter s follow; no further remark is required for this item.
4h07
